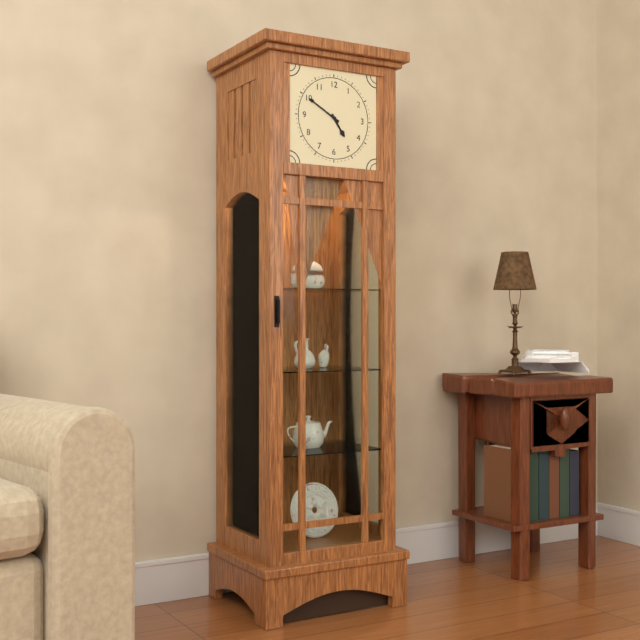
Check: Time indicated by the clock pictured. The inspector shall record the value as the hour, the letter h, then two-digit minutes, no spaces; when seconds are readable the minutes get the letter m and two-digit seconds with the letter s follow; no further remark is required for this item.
4h50
